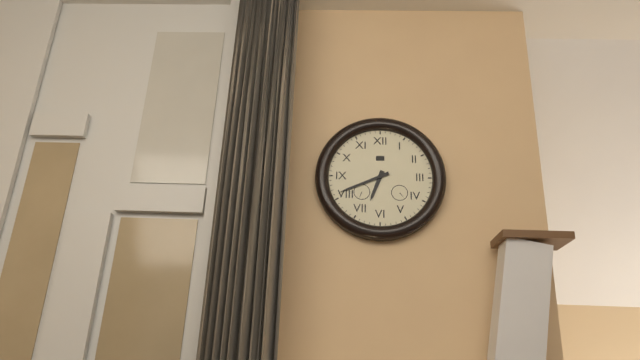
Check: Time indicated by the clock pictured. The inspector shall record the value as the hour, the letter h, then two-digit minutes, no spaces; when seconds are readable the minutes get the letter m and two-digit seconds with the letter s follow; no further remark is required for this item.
6h41
